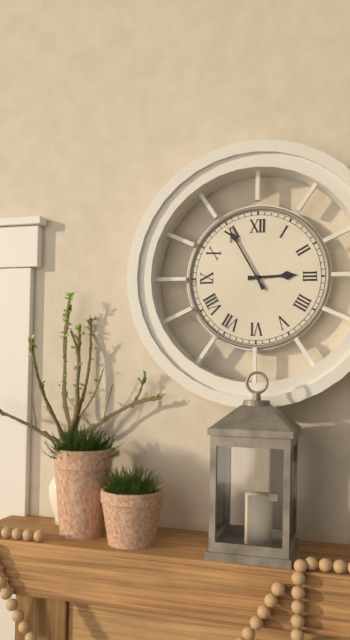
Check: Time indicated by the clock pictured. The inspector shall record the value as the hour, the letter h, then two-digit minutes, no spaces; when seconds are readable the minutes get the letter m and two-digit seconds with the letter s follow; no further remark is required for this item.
2h55
